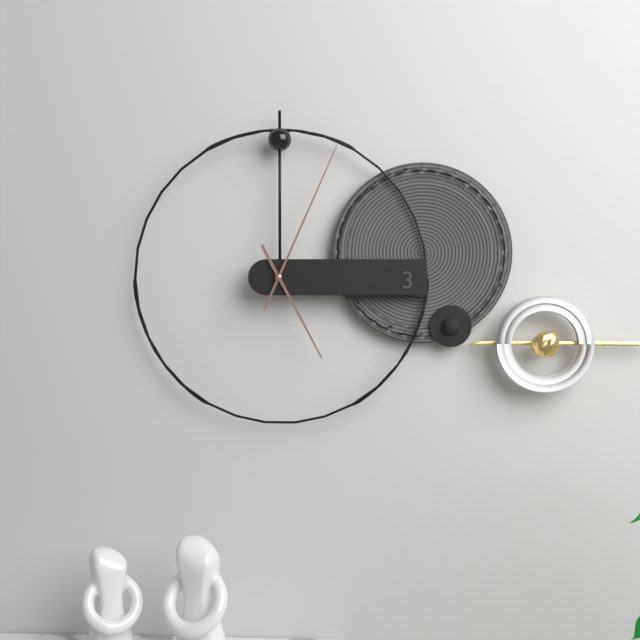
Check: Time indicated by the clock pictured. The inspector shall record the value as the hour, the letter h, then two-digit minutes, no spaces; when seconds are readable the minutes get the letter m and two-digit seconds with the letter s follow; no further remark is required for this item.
5h04
